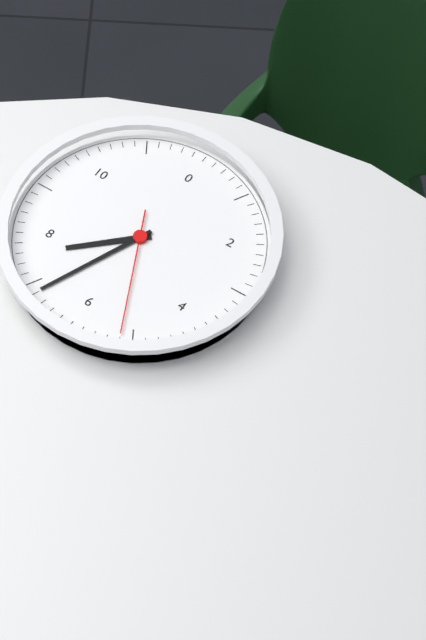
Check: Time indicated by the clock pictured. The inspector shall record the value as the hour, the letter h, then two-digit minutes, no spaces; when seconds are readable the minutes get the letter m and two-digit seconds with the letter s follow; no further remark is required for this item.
7h34m26s
